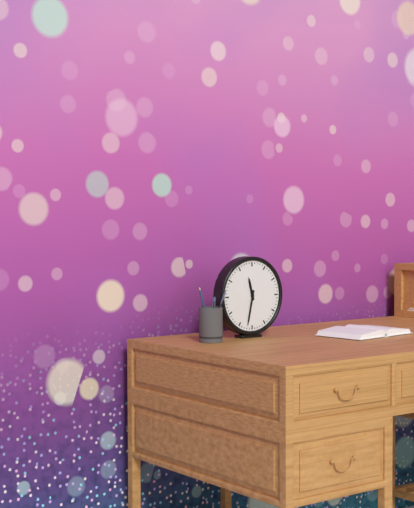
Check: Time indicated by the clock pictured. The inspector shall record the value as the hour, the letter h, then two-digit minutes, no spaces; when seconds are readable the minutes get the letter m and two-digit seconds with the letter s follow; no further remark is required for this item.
11h32
